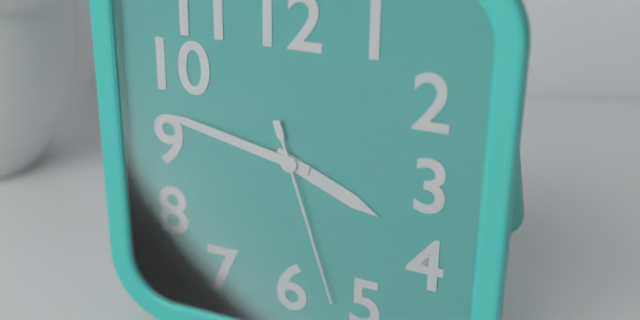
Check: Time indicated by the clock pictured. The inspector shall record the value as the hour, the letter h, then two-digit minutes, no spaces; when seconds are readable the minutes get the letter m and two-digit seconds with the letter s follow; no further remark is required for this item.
3h47m27s
